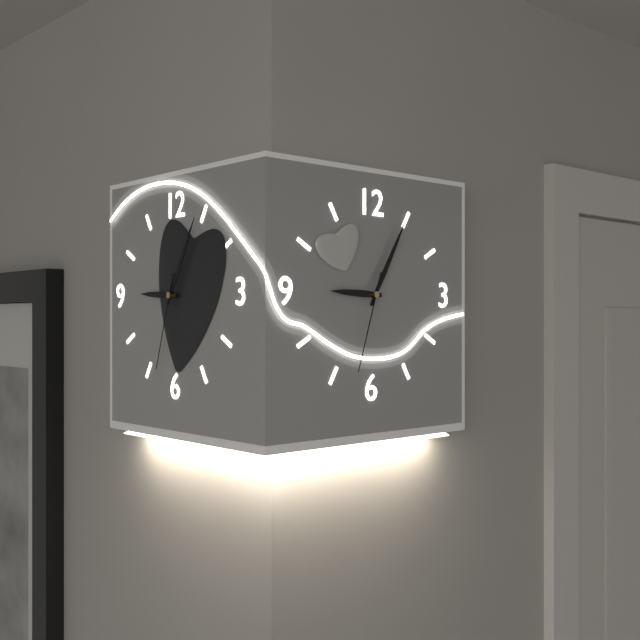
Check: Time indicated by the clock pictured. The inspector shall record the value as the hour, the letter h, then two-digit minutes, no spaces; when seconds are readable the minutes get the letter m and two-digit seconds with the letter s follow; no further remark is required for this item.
9h05m33s
